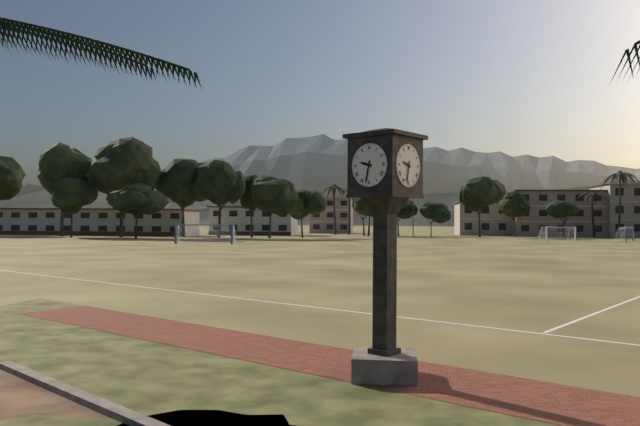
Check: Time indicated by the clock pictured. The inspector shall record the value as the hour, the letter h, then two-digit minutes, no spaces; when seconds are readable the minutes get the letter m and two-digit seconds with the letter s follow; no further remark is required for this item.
9h32
